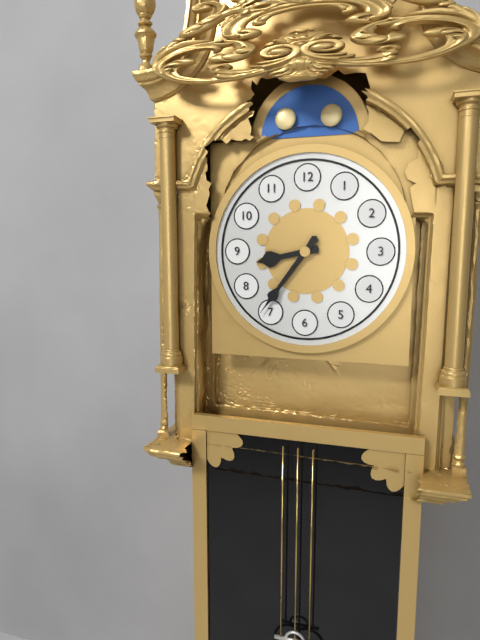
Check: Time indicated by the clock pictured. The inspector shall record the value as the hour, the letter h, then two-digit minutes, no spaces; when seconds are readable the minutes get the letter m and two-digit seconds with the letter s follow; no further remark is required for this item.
8h36
